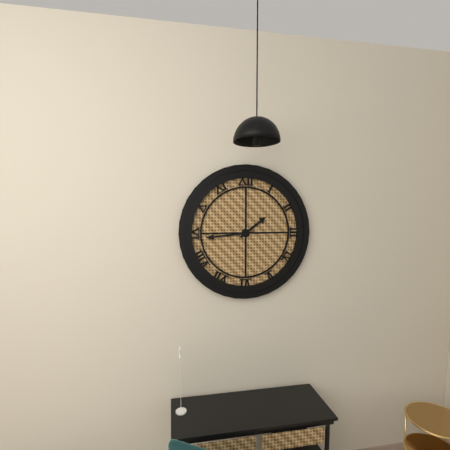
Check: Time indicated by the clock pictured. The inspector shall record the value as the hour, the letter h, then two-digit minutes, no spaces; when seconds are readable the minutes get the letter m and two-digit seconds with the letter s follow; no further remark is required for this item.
1h44
